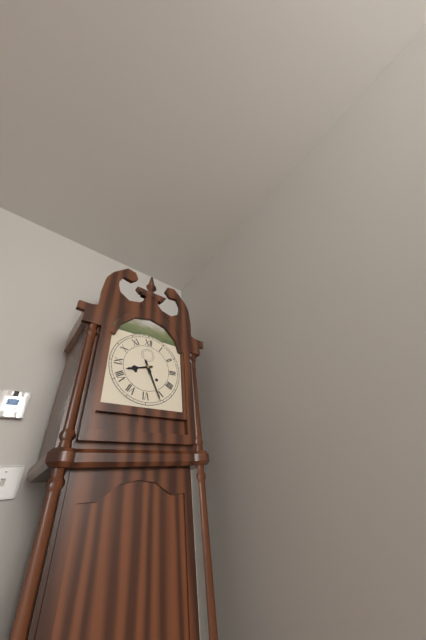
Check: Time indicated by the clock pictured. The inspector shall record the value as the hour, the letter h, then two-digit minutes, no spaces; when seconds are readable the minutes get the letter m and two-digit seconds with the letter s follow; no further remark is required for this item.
8h26
